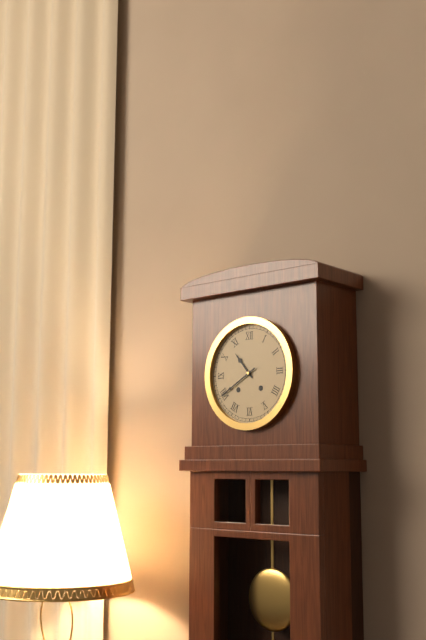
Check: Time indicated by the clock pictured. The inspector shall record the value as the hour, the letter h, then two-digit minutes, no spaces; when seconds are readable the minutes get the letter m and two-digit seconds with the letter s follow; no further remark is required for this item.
10h40
